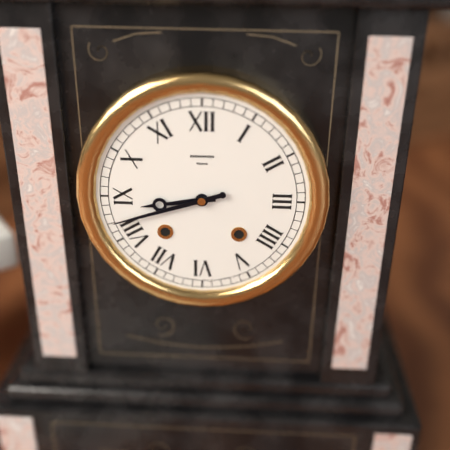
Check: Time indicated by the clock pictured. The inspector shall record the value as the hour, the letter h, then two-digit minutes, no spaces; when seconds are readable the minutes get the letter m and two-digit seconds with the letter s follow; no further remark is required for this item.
8h42
